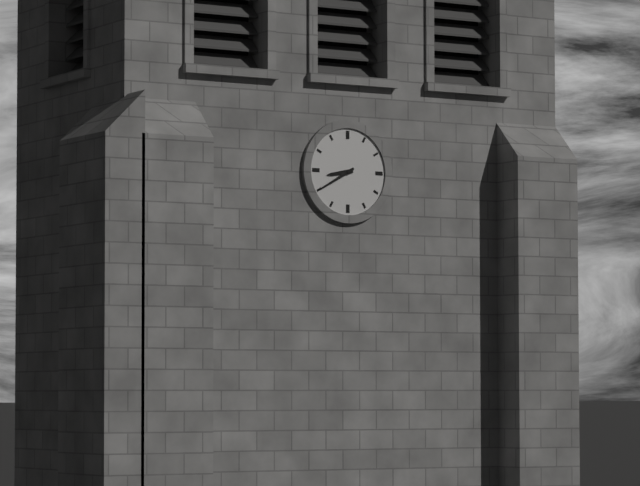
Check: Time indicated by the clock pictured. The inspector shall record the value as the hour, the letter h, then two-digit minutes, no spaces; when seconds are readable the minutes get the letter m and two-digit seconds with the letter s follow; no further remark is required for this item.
8h40
